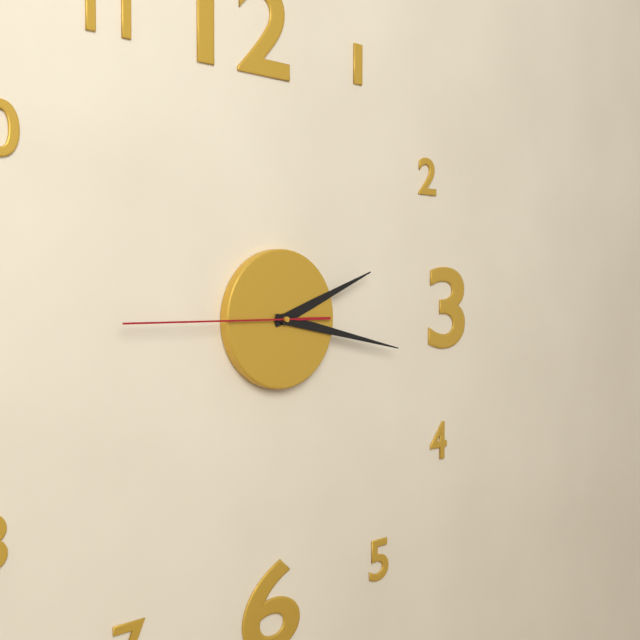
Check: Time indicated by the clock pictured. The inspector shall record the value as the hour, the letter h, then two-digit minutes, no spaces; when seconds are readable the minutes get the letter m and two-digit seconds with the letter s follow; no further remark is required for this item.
2h17m45s
